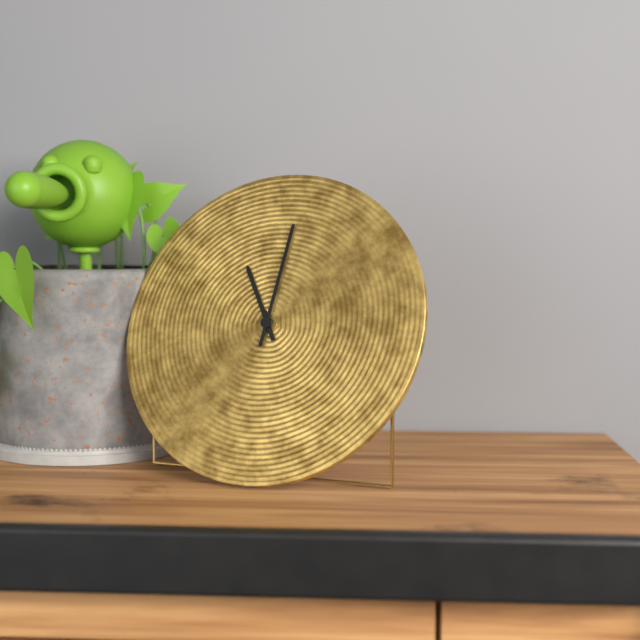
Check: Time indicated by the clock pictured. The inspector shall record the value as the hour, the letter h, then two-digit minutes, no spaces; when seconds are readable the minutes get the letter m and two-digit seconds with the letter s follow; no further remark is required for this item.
11h01
